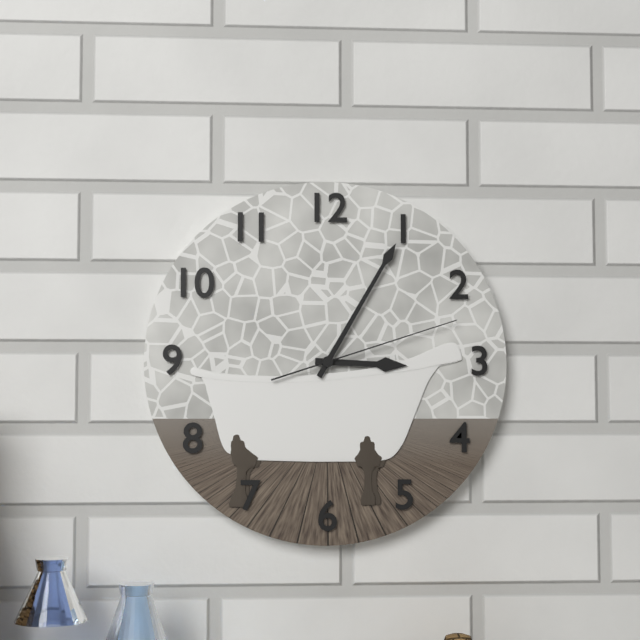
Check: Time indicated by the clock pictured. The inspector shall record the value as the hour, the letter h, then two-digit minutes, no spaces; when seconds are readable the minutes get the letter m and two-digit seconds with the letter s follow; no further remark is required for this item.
3h05m12s
